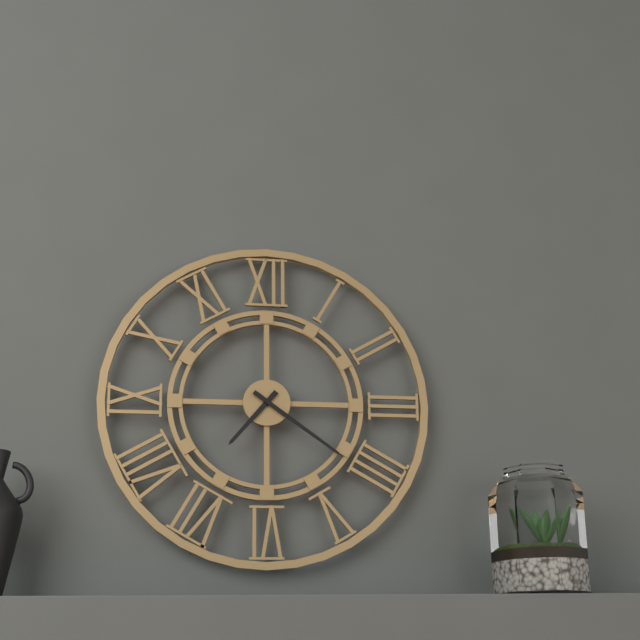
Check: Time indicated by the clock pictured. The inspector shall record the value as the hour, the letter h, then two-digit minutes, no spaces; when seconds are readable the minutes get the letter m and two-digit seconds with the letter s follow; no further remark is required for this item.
7h21
